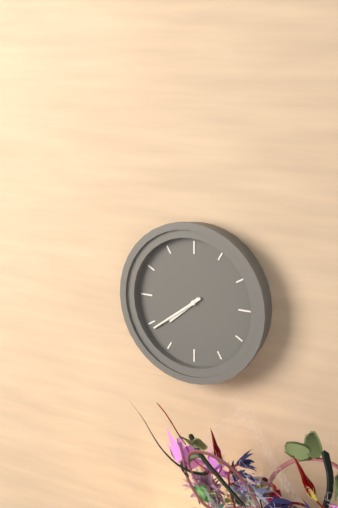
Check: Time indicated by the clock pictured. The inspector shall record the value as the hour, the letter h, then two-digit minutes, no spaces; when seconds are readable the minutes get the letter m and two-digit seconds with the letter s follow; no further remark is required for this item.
7h39
